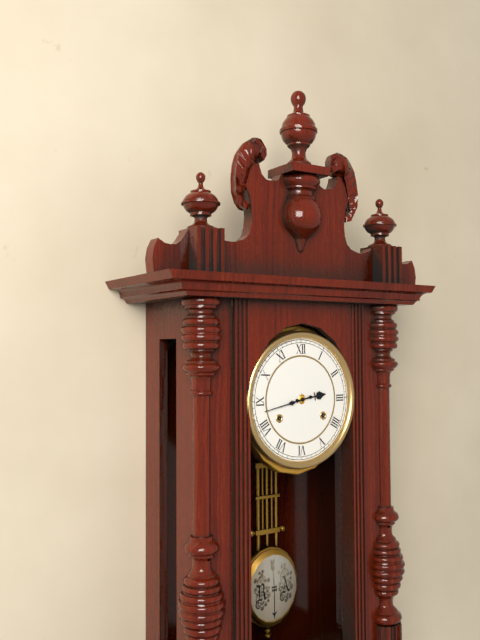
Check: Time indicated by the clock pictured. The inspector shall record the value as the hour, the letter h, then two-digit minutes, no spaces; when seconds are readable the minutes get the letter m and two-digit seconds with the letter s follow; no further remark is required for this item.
2h43
